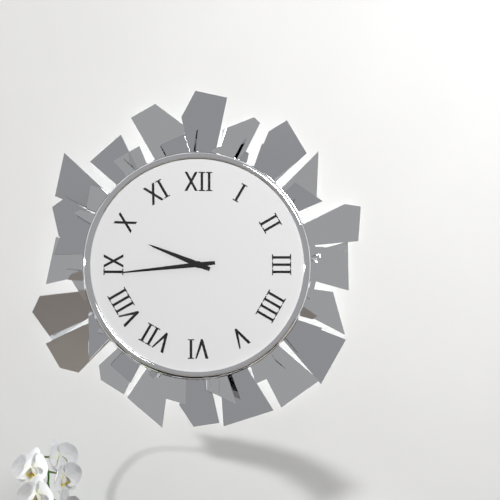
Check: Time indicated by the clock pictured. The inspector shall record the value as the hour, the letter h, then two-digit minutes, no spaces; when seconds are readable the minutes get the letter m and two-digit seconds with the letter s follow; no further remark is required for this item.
9h44
